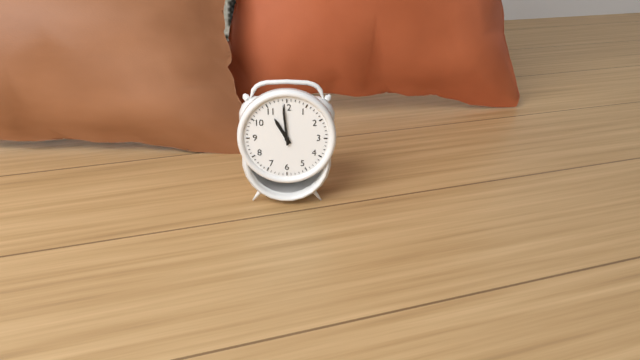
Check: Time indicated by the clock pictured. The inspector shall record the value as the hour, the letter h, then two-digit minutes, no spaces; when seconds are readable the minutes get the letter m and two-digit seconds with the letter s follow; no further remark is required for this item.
10h59
